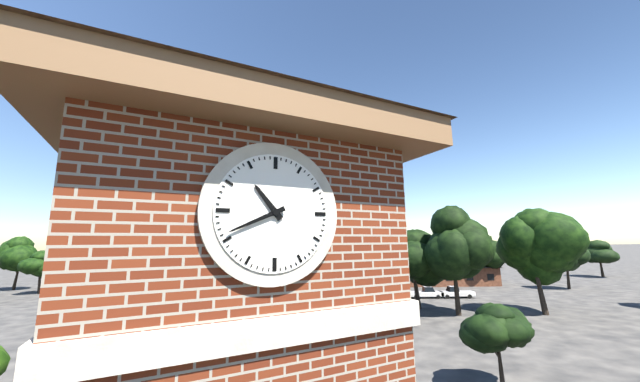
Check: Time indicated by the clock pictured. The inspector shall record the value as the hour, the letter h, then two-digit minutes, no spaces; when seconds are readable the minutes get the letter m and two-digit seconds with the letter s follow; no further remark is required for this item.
10h41
